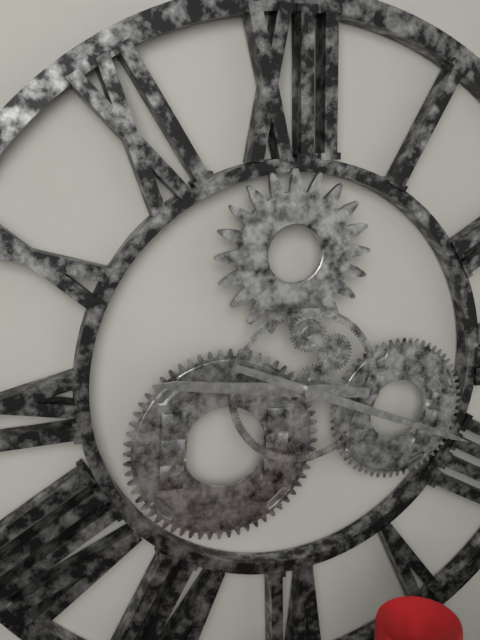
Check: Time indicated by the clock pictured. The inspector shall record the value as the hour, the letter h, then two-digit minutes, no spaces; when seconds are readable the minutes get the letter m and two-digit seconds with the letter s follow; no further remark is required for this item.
9h19
